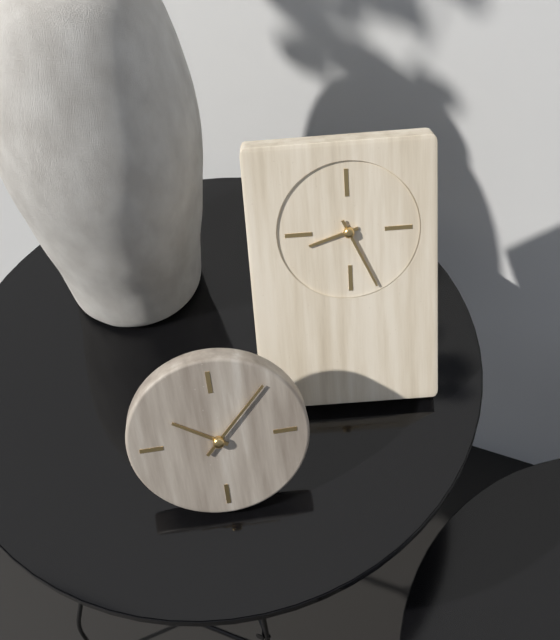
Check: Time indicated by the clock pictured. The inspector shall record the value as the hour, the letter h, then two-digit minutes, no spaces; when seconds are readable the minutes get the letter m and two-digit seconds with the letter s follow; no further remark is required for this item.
8h26
